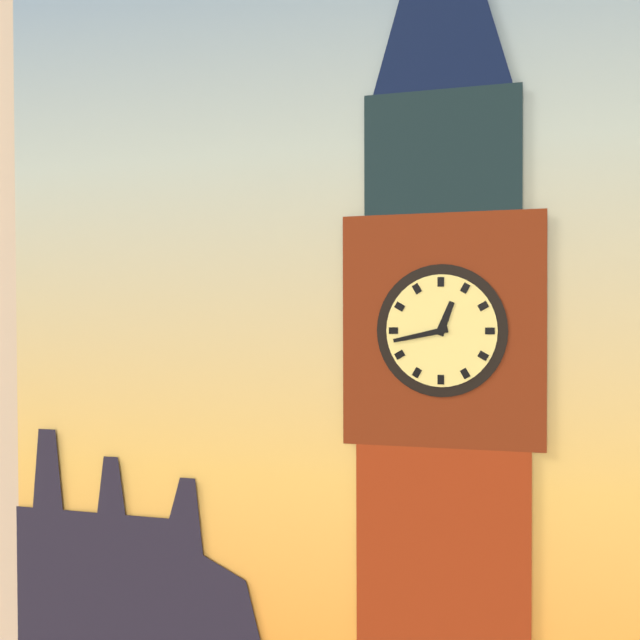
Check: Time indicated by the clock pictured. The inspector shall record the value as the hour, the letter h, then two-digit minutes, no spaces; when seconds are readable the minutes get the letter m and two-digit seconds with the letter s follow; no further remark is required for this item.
12h43
